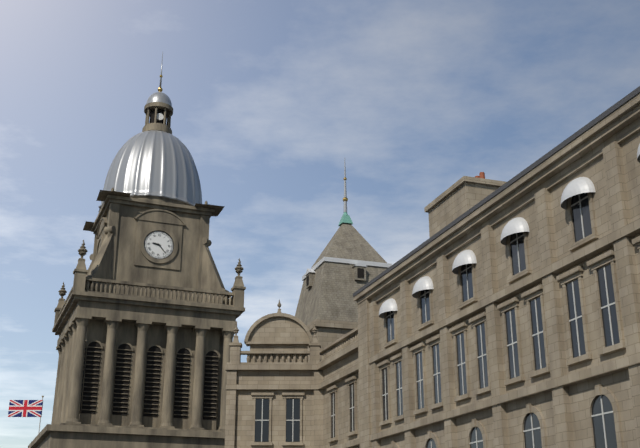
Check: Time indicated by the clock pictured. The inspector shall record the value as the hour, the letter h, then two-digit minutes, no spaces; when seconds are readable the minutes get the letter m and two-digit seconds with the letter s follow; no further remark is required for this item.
9h23
